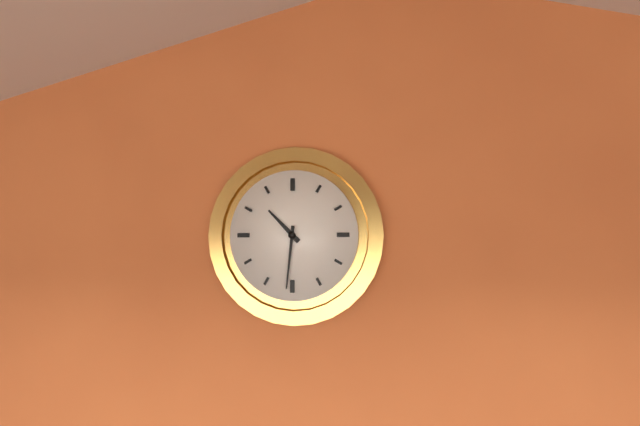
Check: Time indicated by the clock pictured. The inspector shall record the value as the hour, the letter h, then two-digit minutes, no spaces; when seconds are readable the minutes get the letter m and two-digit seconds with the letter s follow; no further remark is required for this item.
10h31
